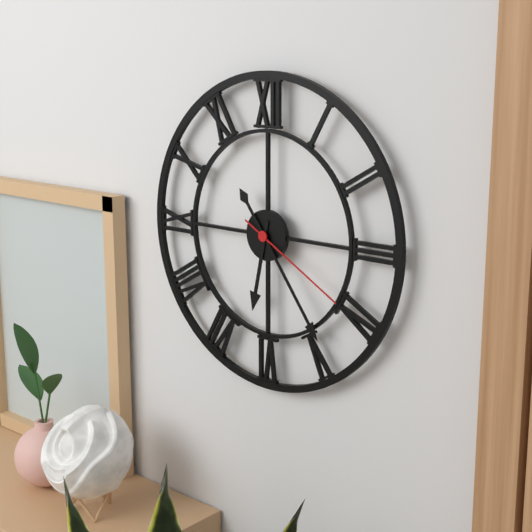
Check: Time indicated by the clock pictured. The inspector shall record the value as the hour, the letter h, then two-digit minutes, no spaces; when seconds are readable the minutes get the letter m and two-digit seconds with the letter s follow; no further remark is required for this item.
6h24m20s
